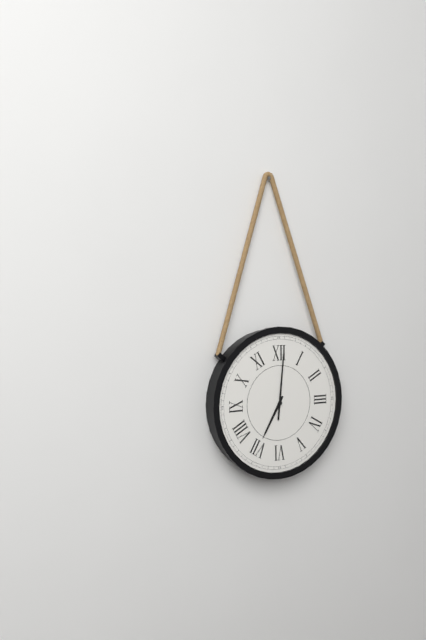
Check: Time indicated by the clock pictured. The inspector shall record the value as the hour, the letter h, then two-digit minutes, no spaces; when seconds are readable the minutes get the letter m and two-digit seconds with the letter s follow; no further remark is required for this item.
7h01
